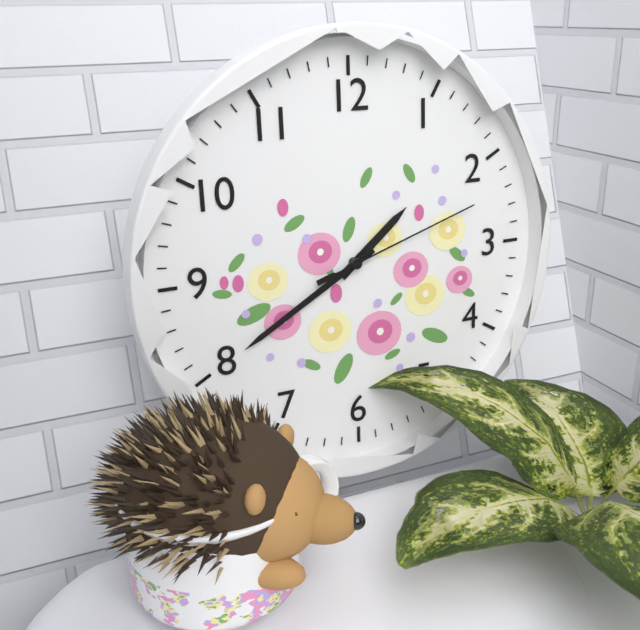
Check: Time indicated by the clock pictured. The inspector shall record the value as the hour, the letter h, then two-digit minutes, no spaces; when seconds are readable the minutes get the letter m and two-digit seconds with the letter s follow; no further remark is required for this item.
1h40m12s
